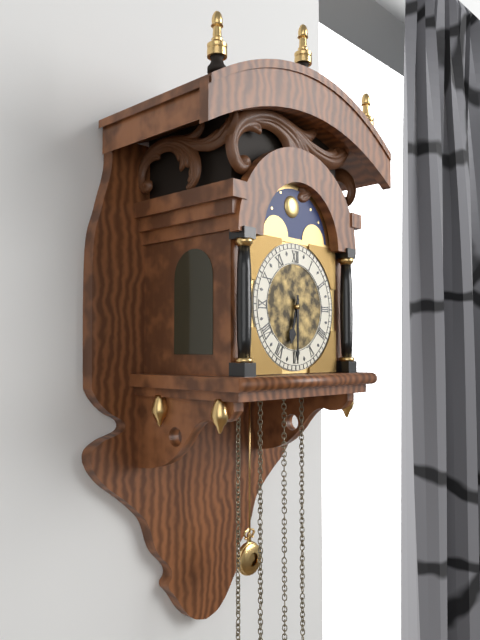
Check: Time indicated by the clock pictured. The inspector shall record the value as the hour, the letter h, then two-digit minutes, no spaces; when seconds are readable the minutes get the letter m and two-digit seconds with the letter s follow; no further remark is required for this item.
6h30
